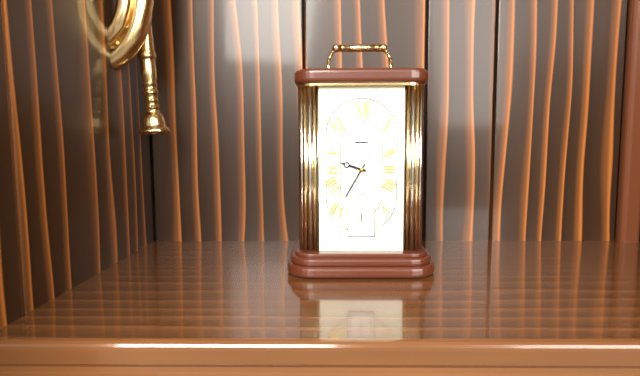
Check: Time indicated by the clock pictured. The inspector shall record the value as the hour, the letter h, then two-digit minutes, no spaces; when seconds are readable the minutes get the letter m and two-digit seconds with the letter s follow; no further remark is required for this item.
9h35
